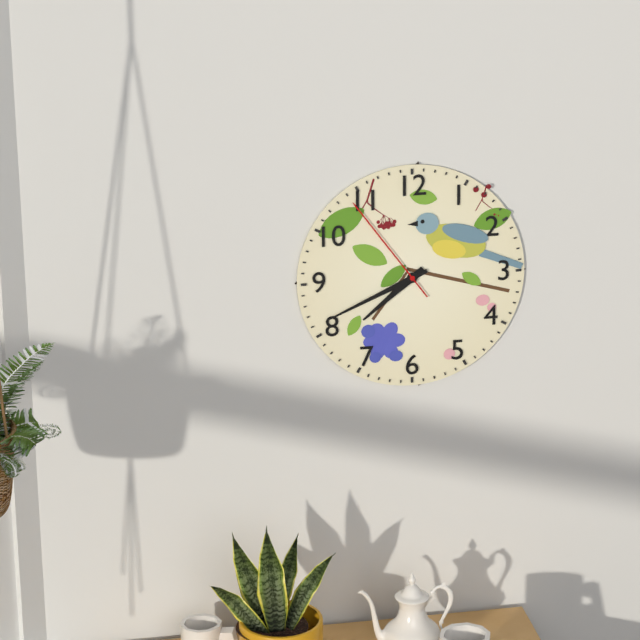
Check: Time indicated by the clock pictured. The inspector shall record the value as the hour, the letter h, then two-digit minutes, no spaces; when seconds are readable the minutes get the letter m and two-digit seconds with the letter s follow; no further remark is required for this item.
7h41m54s
